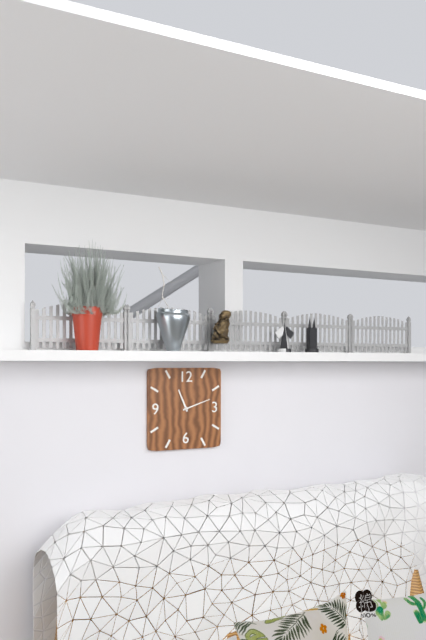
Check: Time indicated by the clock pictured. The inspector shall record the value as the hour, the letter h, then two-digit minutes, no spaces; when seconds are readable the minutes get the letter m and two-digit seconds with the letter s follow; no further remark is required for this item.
11h12
